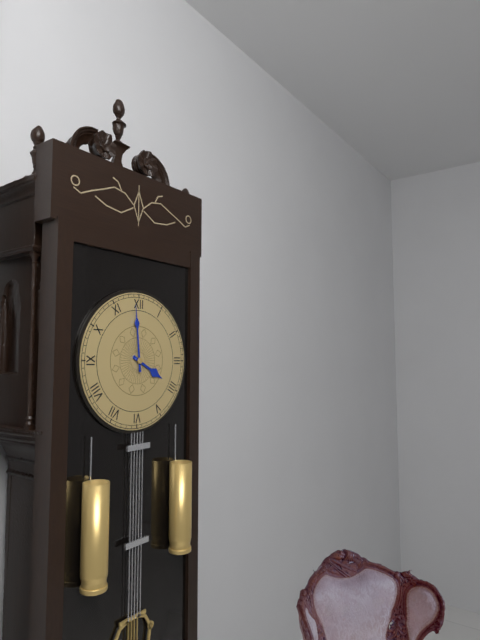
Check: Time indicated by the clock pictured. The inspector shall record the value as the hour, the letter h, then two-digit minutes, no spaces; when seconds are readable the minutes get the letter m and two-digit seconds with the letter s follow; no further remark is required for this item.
3h59
